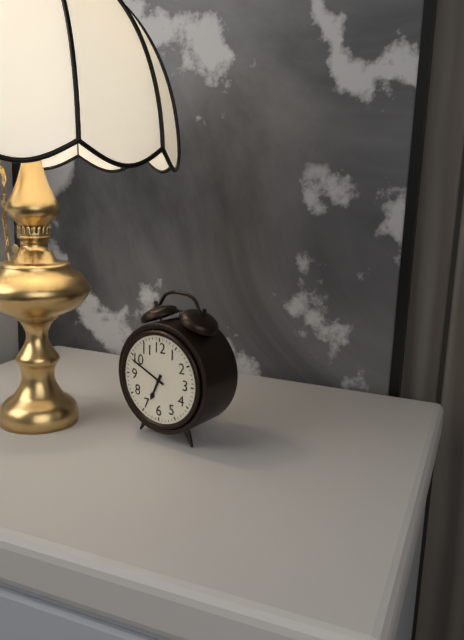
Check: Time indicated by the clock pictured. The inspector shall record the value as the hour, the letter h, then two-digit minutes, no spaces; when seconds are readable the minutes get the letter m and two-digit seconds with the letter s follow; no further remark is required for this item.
6h49
